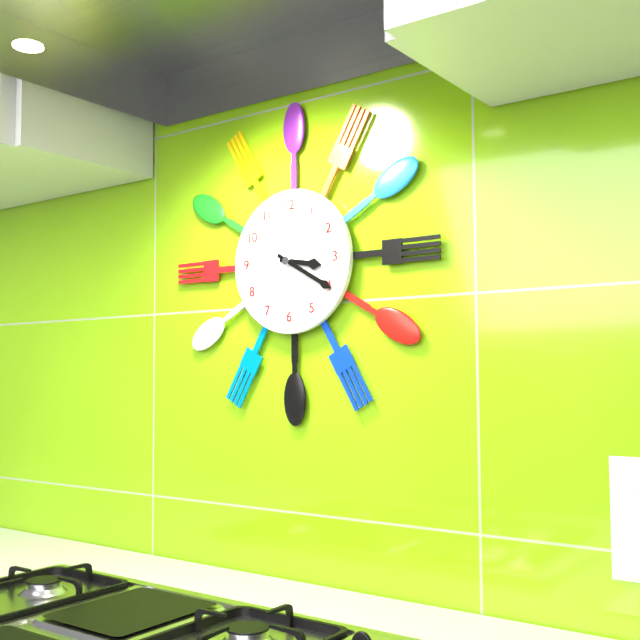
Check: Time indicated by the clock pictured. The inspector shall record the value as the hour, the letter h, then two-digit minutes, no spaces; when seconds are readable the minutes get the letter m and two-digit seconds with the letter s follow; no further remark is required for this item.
3h20
